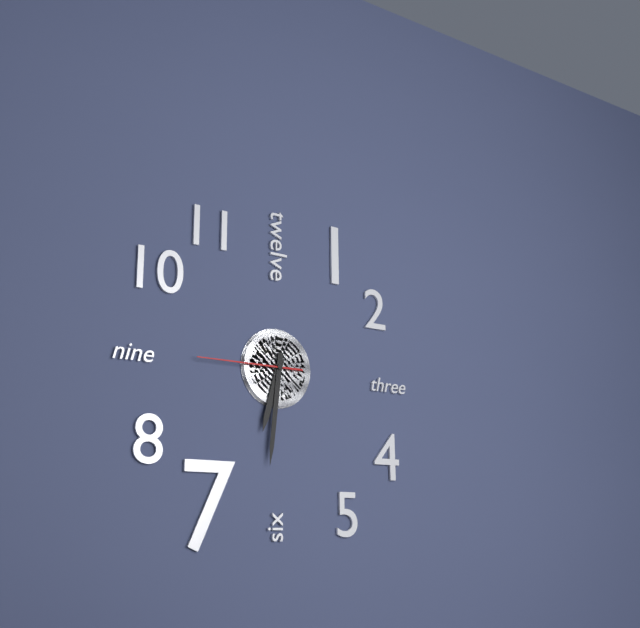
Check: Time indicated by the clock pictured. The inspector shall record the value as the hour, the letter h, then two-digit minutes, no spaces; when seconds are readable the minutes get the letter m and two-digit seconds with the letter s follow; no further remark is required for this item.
6h31m45s
